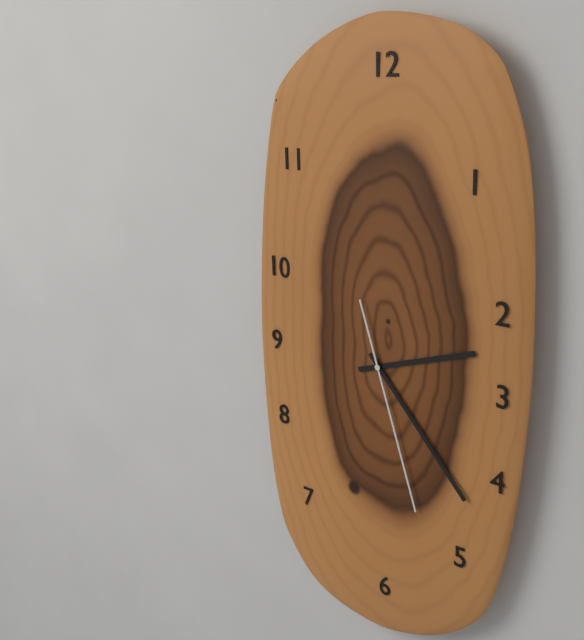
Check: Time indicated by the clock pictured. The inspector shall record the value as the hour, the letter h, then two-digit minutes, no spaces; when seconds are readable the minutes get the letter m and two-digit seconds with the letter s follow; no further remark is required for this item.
2h23m27s
